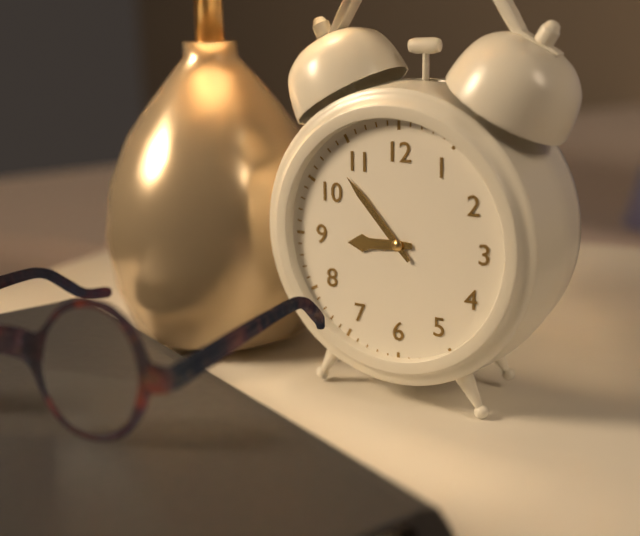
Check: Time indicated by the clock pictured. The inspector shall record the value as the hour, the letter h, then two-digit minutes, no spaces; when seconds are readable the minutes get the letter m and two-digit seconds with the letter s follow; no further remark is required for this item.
8h53
